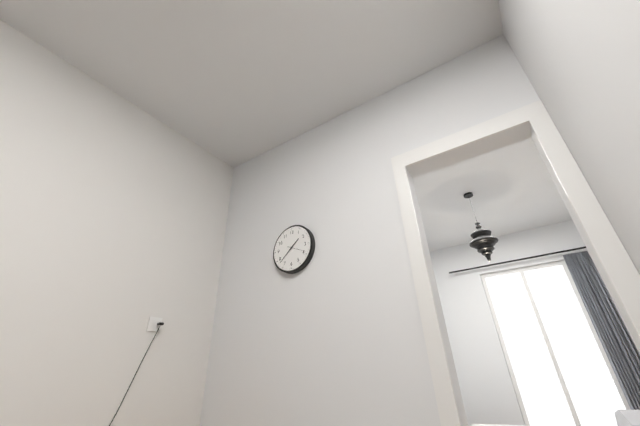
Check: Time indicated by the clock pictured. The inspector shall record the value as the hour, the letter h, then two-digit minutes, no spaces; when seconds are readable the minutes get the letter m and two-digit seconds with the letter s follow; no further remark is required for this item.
1h38
